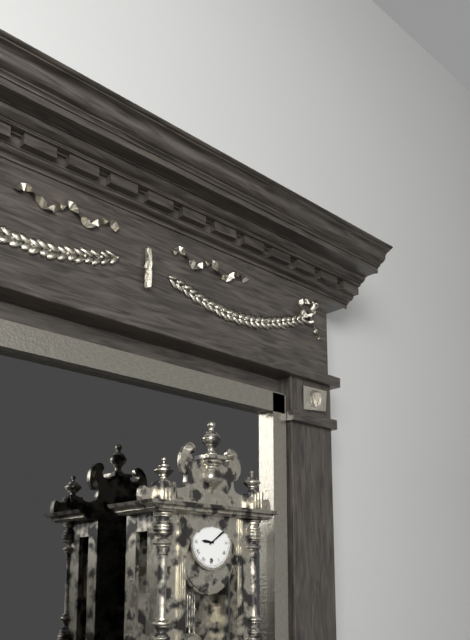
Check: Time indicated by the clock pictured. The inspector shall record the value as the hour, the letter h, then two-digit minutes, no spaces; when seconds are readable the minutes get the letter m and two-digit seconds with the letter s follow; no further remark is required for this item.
9h09
